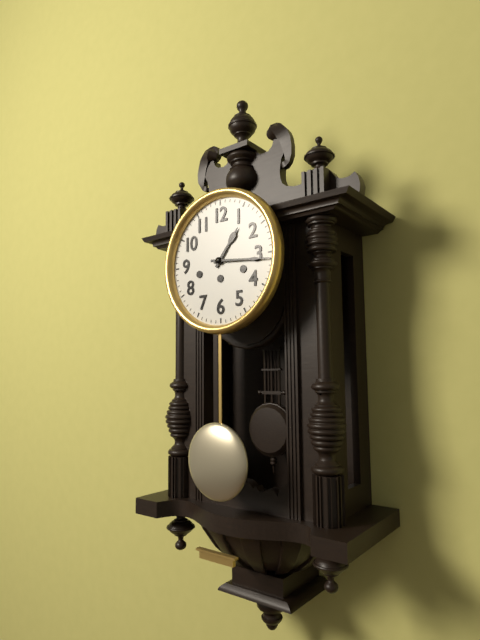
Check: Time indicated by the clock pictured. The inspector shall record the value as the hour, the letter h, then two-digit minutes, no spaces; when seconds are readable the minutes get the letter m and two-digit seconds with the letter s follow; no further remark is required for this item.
1h16
